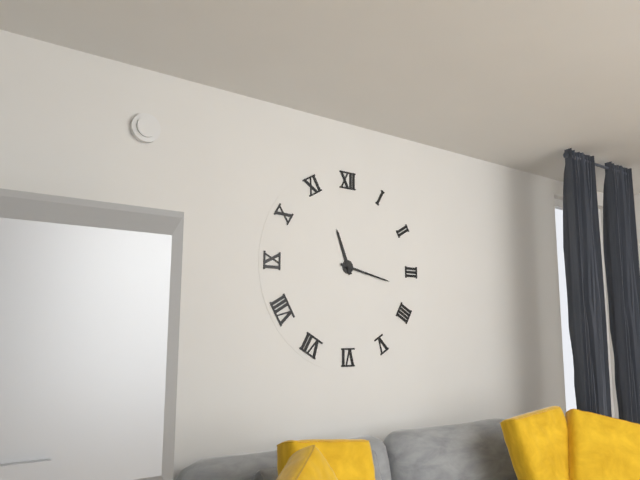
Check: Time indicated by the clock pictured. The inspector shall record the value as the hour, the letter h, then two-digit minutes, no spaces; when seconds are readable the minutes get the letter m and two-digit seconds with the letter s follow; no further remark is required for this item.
11h17
